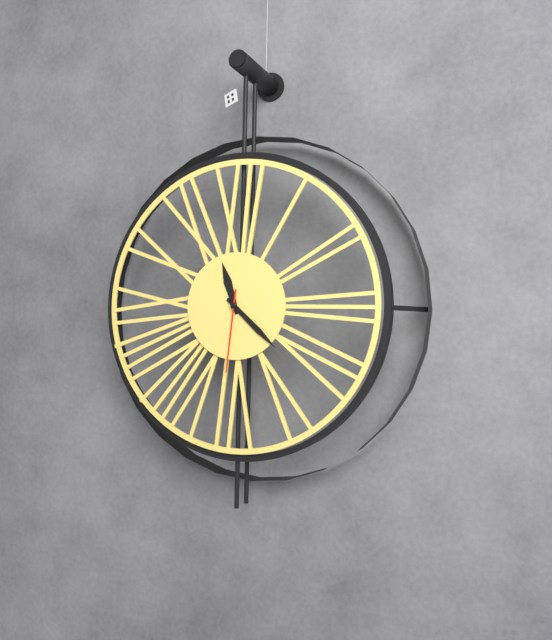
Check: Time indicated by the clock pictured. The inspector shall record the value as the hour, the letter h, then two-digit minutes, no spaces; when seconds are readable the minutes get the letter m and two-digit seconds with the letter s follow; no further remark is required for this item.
11h22m31s
